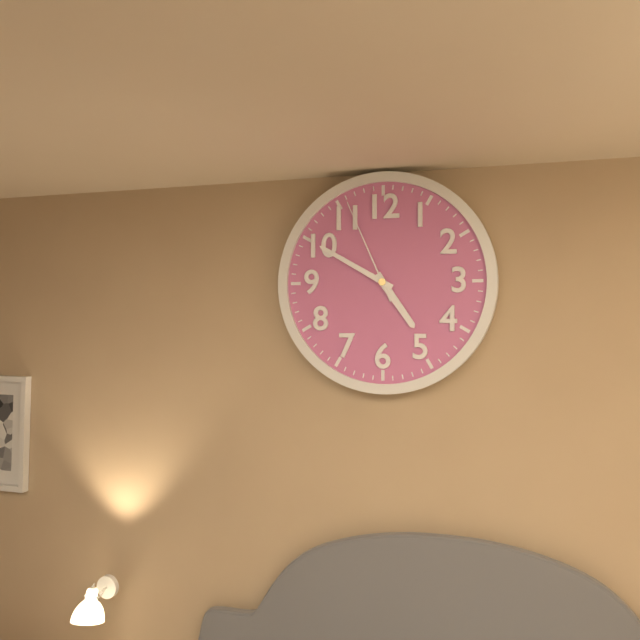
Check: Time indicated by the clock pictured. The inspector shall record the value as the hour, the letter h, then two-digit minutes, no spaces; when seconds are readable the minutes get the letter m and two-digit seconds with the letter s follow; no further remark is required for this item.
4h50m56s
